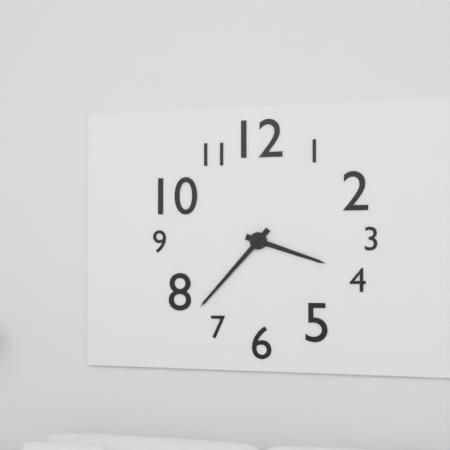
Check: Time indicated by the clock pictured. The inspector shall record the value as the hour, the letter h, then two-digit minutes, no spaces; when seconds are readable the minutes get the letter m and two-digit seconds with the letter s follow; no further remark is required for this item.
3h37
